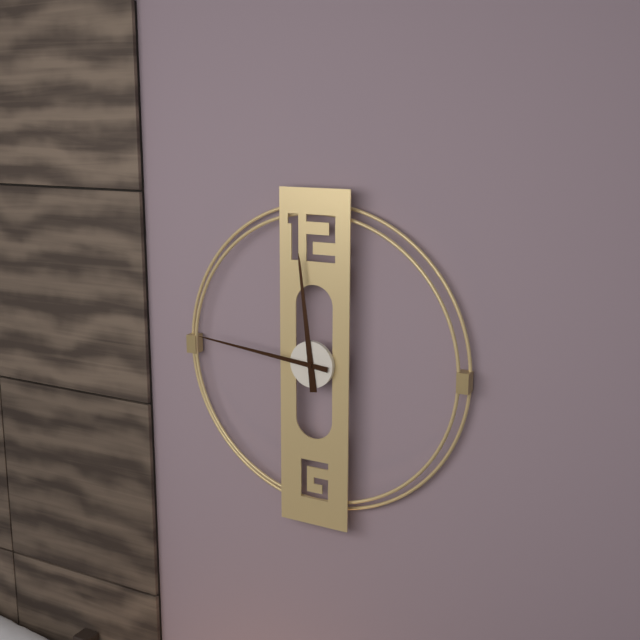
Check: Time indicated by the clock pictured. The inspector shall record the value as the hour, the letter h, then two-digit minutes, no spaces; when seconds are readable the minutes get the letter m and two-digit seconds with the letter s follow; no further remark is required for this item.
11h46
